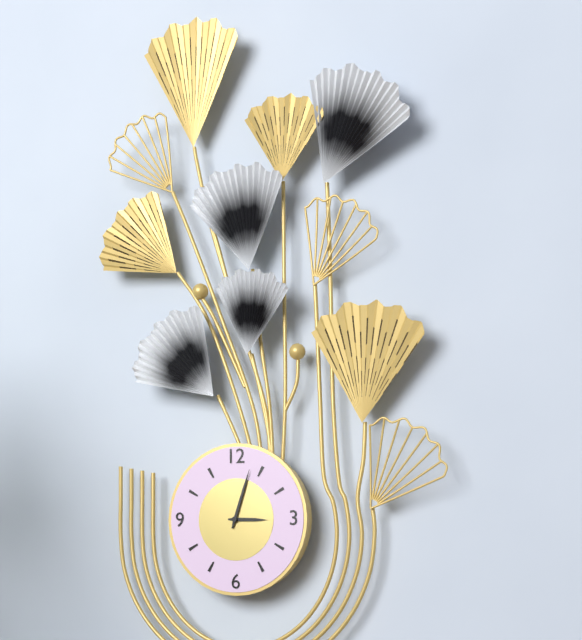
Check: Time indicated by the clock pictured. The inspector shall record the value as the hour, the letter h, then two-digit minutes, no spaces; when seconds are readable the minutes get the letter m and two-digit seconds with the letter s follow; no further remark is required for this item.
3h03
